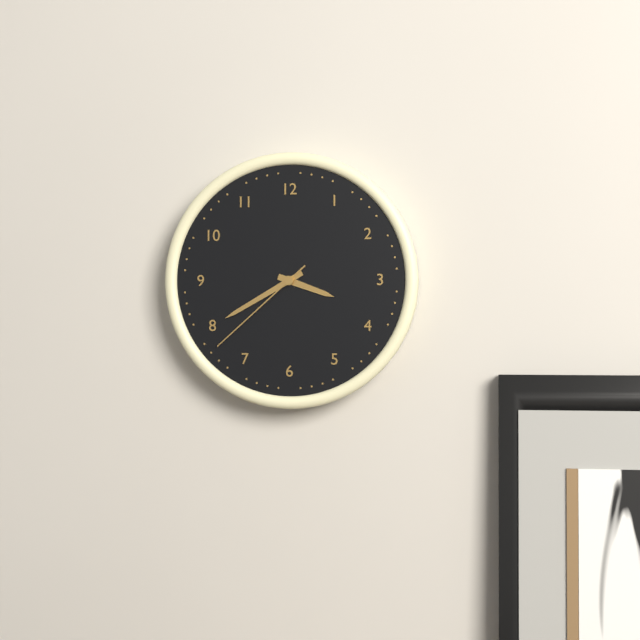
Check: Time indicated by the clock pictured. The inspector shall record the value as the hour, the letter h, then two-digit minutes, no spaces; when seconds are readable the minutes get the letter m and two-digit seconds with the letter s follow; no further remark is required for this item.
3h40m38s
